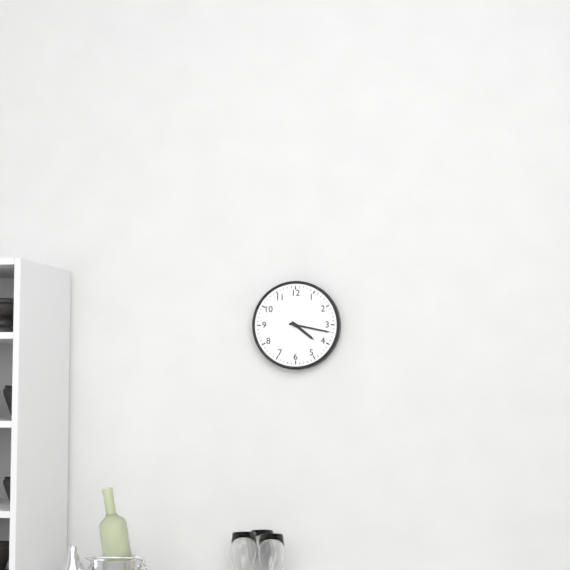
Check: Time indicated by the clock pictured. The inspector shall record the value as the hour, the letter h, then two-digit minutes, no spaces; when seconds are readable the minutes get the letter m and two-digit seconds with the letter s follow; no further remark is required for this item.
4h17
